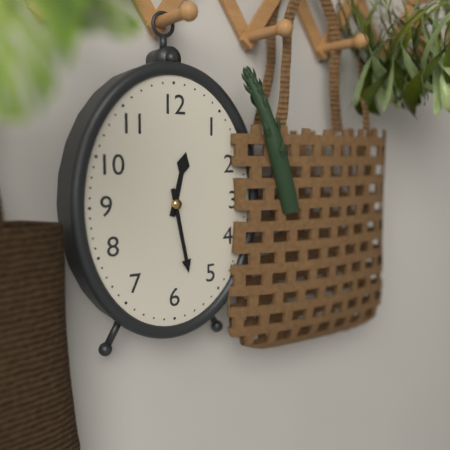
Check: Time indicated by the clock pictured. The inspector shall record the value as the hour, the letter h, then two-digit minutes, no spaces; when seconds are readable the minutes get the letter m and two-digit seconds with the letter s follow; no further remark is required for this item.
12h28
